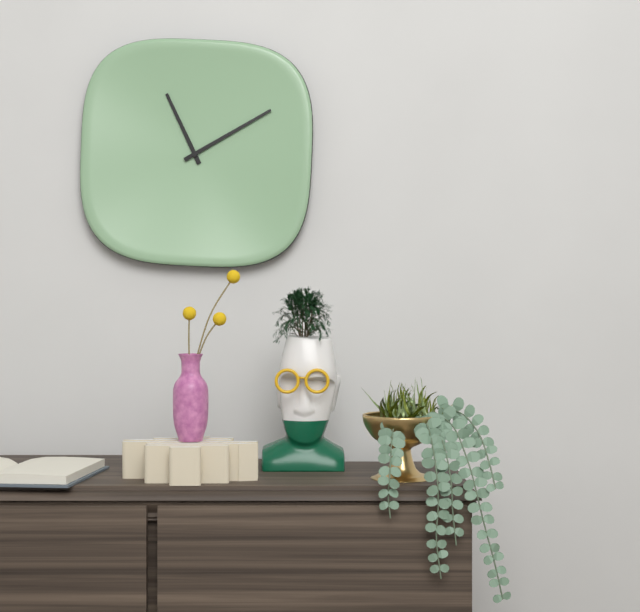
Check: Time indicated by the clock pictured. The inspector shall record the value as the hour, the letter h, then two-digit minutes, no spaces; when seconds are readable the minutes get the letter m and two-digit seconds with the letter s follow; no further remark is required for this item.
11h10
